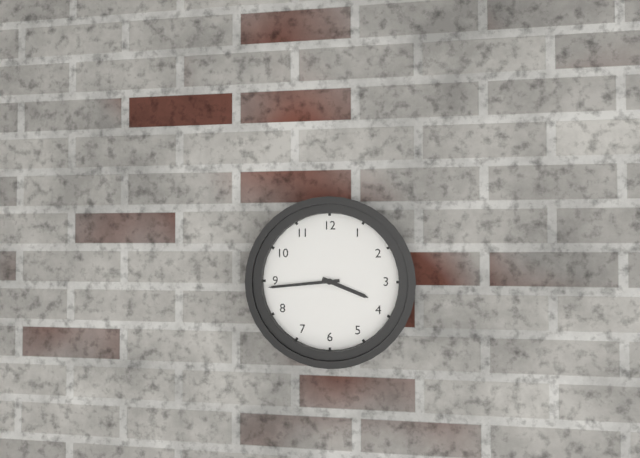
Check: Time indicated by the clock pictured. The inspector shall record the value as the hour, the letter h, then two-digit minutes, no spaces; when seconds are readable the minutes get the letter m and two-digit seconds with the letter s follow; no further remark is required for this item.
3h44
